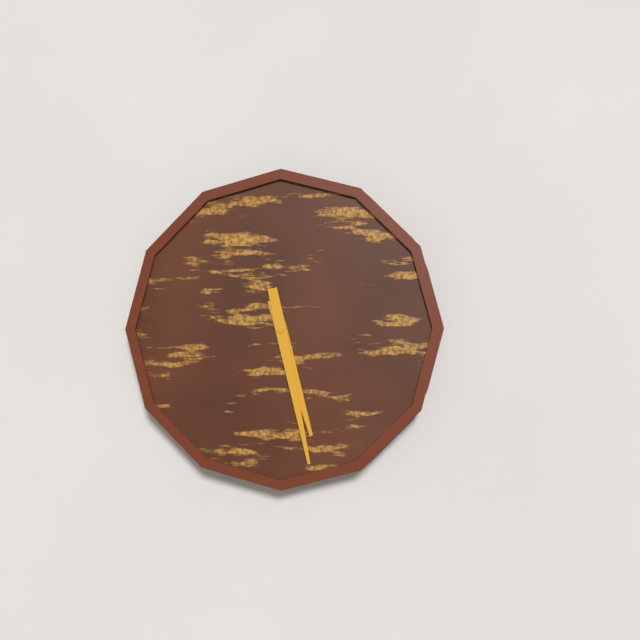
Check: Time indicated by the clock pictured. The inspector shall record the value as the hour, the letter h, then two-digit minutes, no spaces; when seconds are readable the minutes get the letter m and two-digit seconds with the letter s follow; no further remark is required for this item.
5h28
